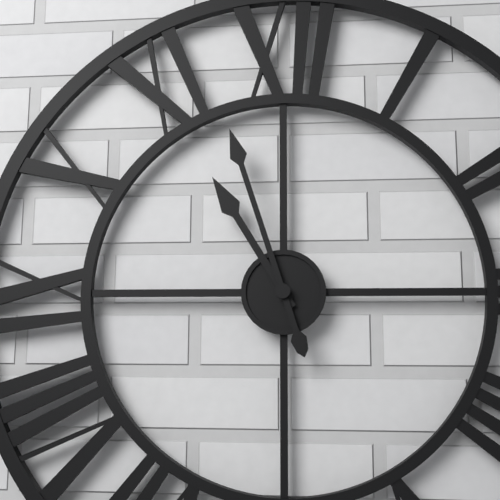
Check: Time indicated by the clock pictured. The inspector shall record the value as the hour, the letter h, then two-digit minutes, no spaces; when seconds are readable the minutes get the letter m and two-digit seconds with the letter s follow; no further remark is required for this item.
10h57
